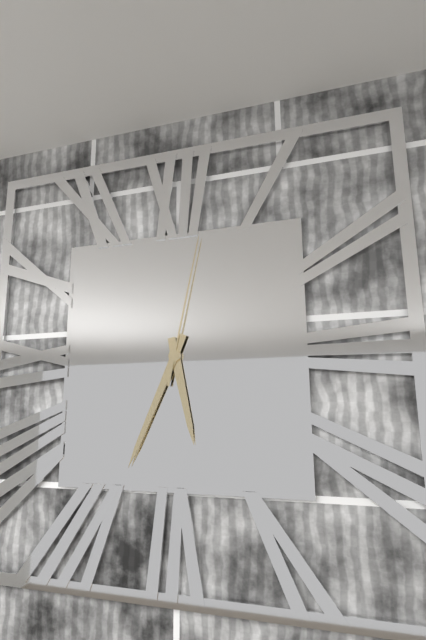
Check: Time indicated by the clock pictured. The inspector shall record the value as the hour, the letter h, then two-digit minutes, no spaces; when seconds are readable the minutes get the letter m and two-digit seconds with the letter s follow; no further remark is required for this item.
5h34m02s
